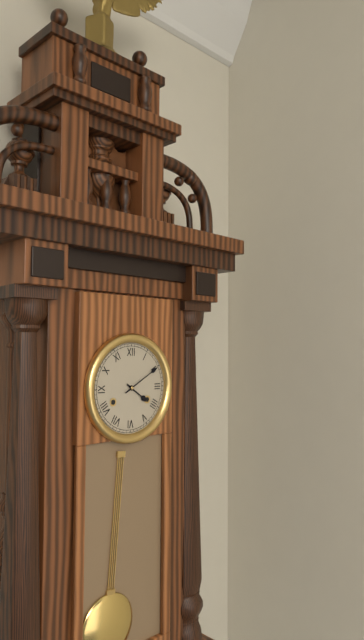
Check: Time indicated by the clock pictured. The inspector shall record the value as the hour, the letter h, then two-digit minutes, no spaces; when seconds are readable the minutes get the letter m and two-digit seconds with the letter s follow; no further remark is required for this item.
4h10
